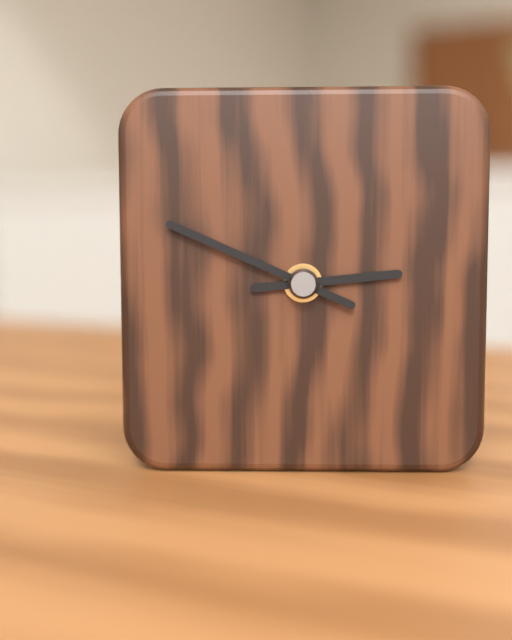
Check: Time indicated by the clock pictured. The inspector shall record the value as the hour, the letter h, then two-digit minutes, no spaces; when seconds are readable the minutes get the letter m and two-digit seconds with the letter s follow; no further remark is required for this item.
2h49
